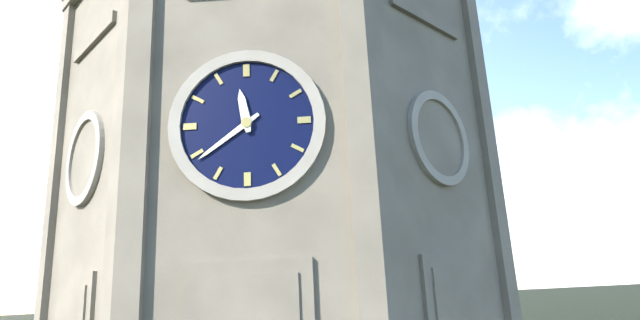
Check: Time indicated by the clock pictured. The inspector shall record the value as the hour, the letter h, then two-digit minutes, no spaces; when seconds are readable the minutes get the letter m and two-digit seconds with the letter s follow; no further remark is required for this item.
11h39
